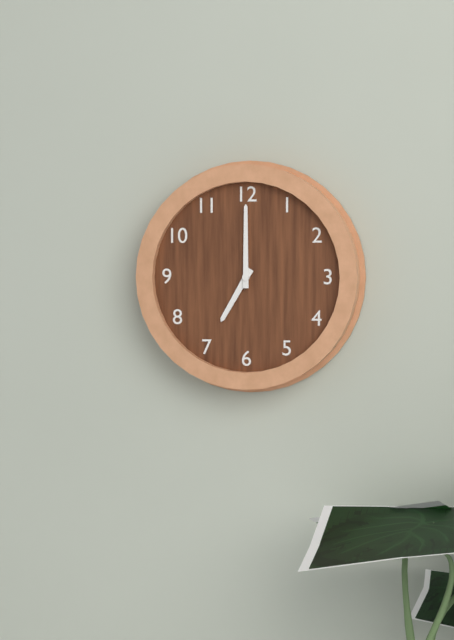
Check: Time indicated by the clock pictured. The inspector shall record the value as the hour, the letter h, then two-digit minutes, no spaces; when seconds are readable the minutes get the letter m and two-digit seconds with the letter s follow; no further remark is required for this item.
7h00
